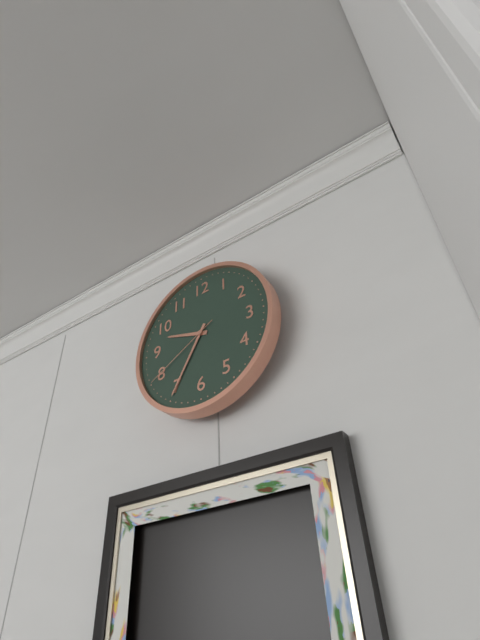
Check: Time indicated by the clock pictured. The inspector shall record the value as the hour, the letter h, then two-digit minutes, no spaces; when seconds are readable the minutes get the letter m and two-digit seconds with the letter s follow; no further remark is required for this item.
9h35m40s
